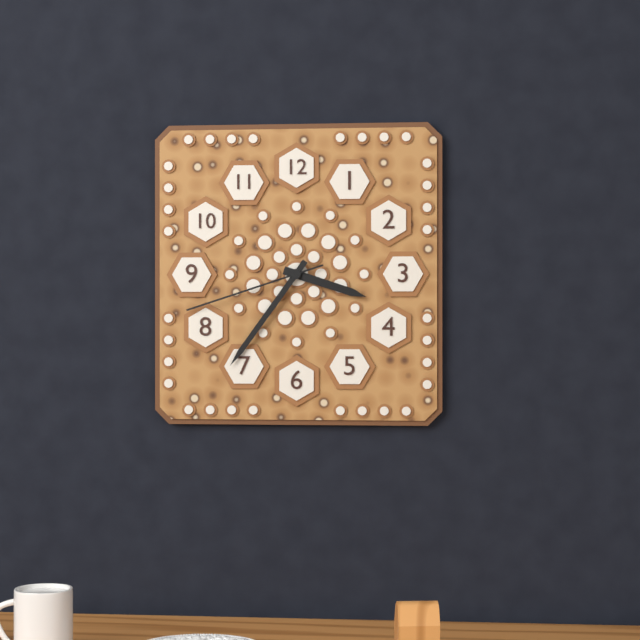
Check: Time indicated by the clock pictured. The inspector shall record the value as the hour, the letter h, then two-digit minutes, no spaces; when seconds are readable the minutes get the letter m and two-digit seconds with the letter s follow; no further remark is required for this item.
3h36m42s
